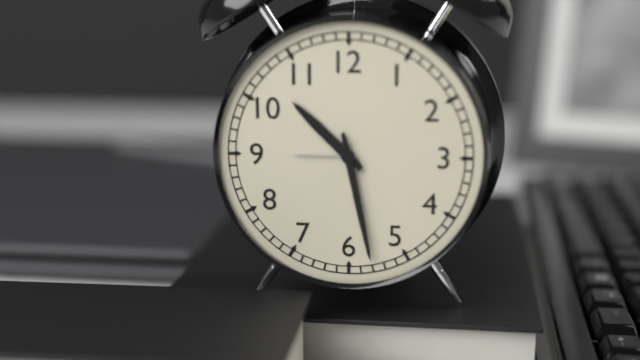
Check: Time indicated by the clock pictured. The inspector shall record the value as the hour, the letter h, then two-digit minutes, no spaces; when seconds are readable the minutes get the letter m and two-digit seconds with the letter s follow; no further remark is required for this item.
10h28
